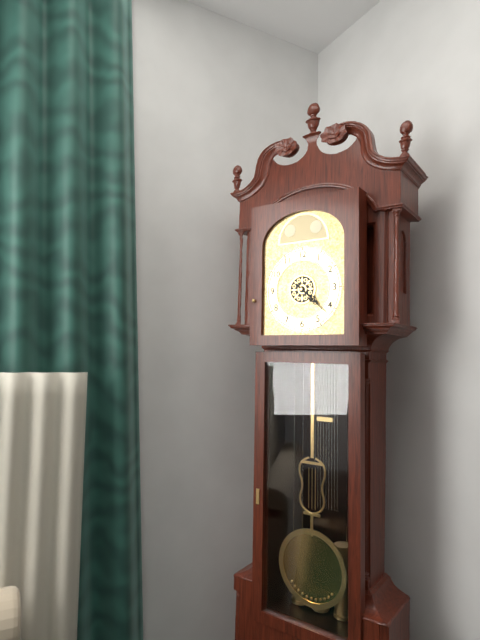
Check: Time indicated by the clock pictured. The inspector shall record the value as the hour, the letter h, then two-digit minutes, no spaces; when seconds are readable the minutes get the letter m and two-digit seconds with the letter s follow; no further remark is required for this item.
4h22
